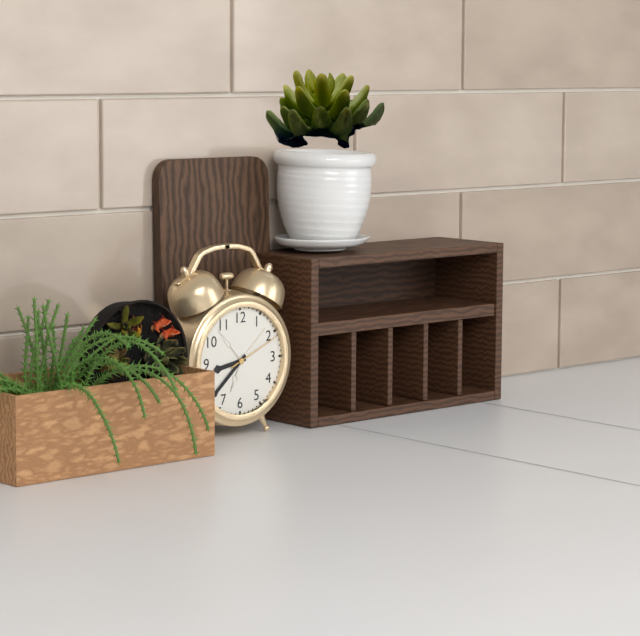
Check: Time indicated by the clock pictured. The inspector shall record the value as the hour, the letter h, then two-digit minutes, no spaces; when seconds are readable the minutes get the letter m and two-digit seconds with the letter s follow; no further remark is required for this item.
8h38m11s
